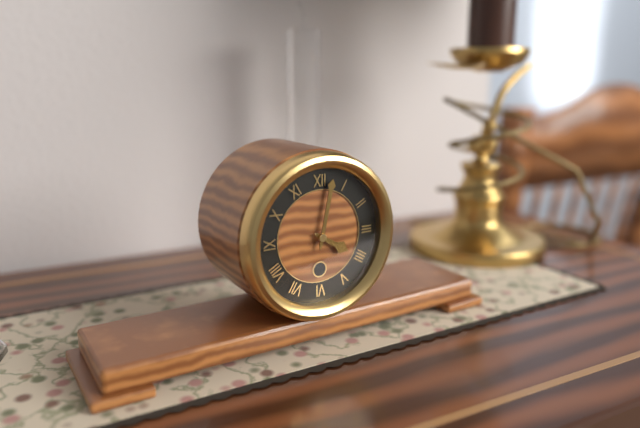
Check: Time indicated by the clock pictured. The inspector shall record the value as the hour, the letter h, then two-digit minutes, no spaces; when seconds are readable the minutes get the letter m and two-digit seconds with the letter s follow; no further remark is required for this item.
4h02
